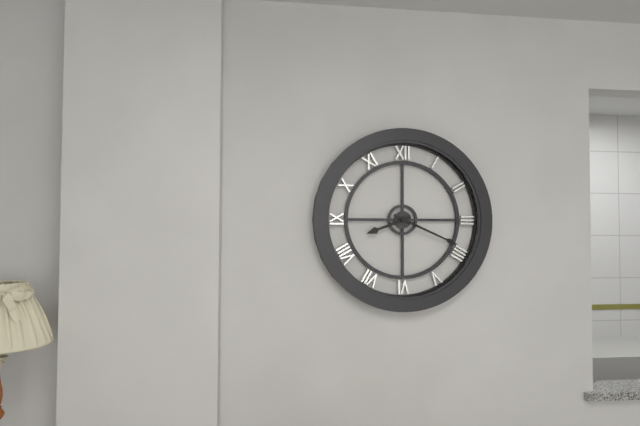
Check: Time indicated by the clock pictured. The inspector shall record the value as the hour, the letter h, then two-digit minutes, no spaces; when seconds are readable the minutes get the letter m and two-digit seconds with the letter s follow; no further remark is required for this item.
8h19
